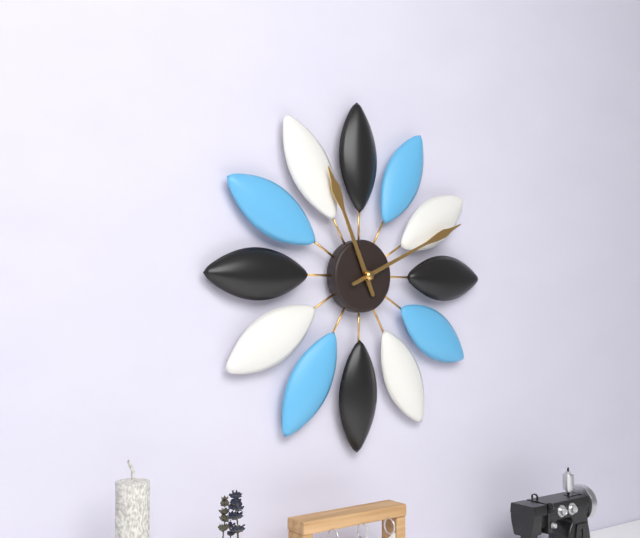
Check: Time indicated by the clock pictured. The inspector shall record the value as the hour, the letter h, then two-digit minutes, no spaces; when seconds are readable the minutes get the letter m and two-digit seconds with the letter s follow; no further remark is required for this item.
11h11
